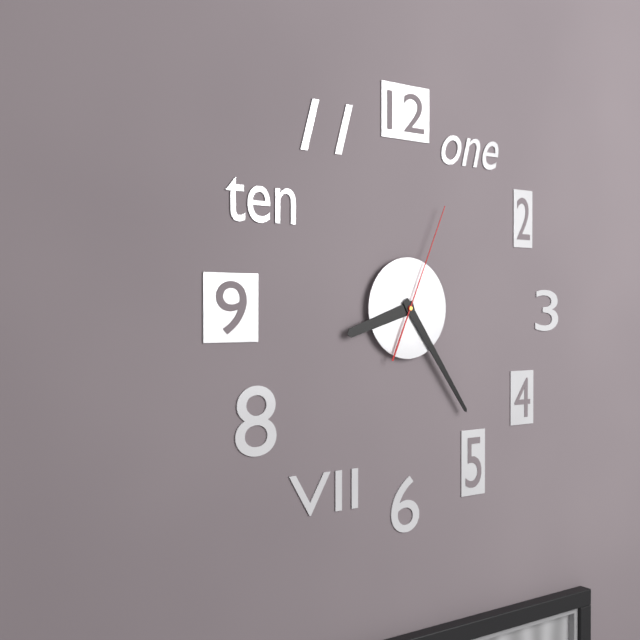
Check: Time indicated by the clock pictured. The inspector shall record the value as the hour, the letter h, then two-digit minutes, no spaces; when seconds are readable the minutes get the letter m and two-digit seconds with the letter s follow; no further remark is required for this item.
8h24m04s
